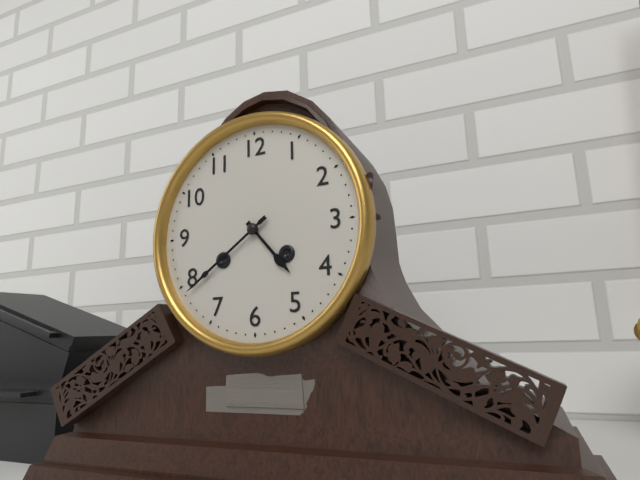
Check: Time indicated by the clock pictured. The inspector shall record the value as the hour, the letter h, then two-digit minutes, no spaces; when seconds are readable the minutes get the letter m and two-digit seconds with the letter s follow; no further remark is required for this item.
4h39
